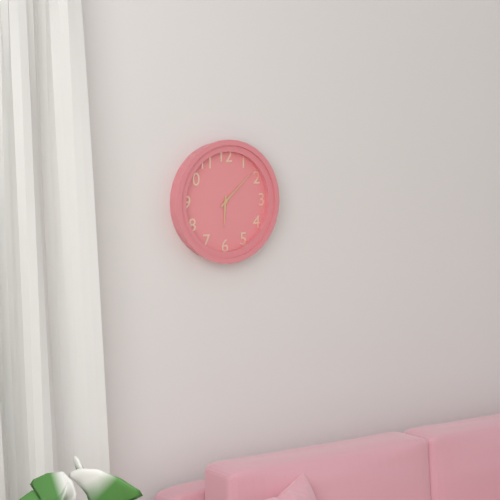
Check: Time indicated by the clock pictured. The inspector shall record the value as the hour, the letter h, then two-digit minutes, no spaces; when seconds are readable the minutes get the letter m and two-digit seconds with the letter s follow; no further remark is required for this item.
6h08
